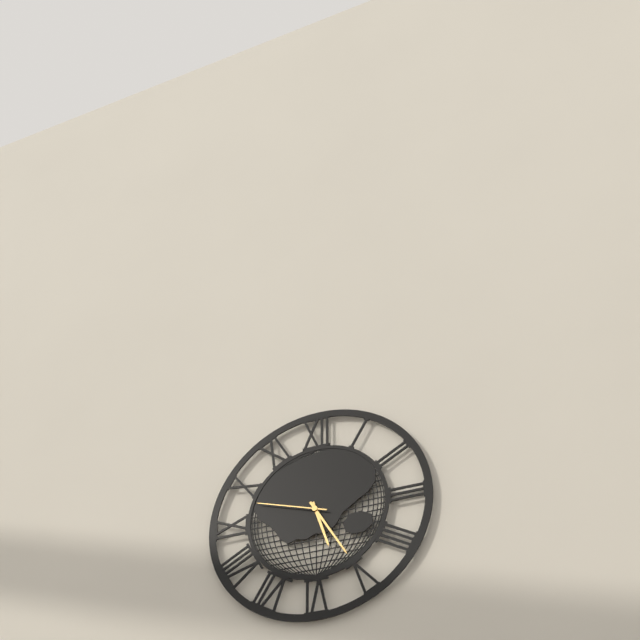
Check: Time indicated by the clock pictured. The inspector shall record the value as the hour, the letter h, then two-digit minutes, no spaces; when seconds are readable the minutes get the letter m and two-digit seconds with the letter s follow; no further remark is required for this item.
5h25m48s
